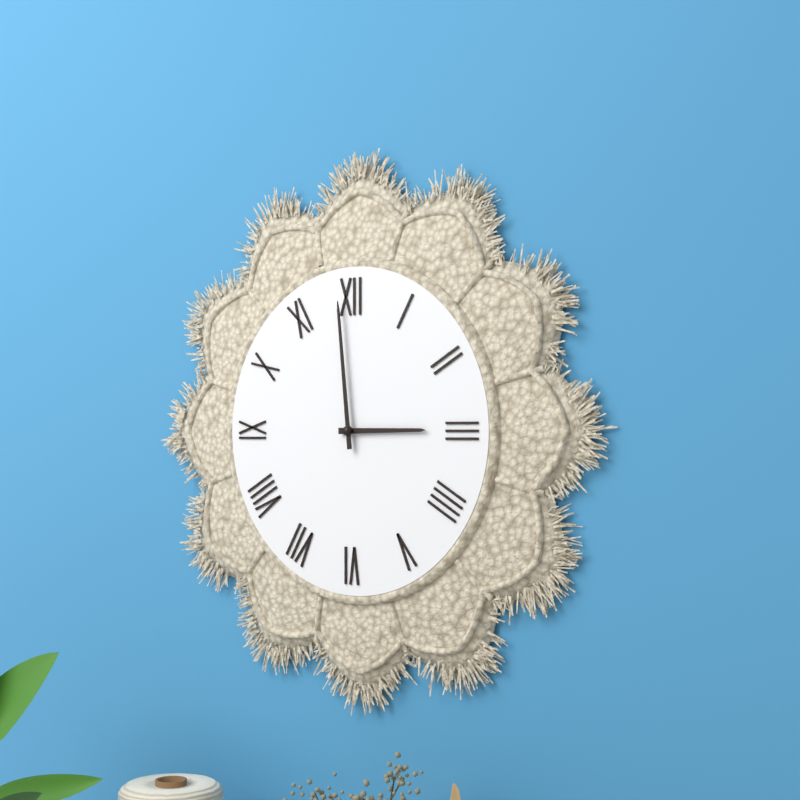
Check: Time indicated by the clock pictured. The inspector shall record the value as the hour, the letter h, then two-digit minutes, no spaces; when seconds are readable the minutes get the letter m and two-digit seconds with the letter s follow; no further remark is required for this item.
2h59
